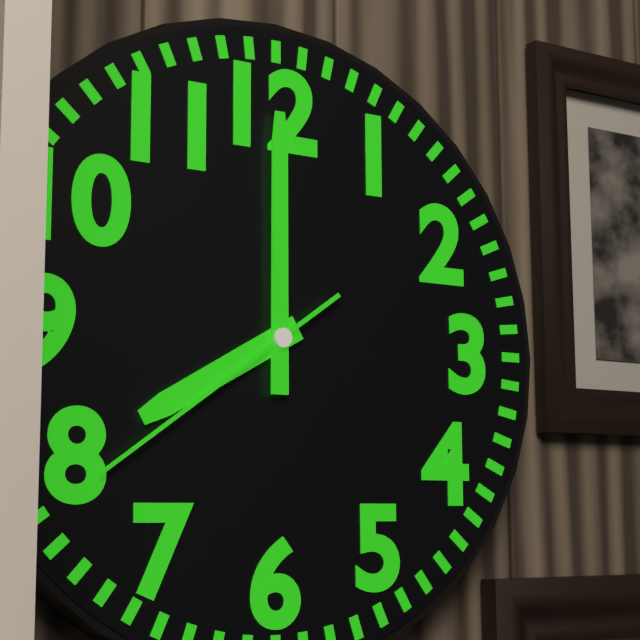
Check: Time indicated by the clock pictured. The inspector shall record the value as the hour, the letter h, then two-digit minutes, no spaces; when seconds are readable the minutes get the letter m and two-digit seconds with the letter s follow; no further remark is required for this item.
8h00m39s
